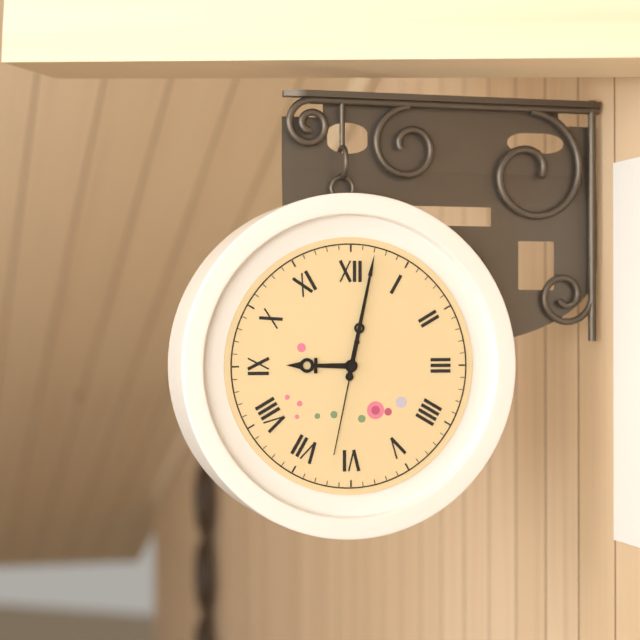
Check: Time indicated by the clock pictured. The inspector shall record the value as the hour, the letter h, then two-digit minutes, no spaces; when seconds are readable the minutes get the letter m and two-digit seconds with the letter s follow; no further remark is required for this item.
9h02m32s
